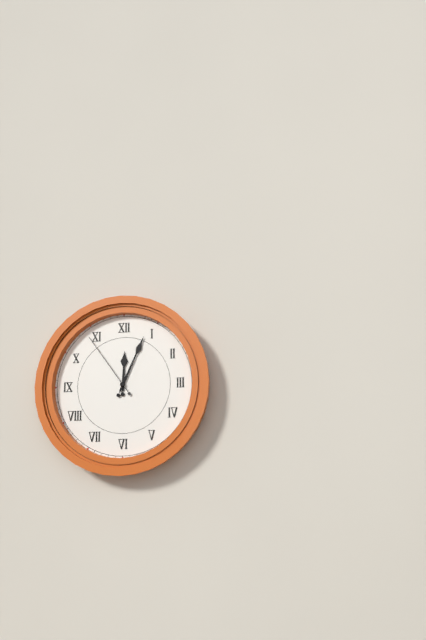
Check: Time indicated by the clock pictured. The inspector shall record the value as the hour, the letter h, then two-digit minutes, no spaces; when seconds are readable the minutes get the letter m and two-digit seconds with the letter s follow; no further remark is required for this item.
12h04m54s
